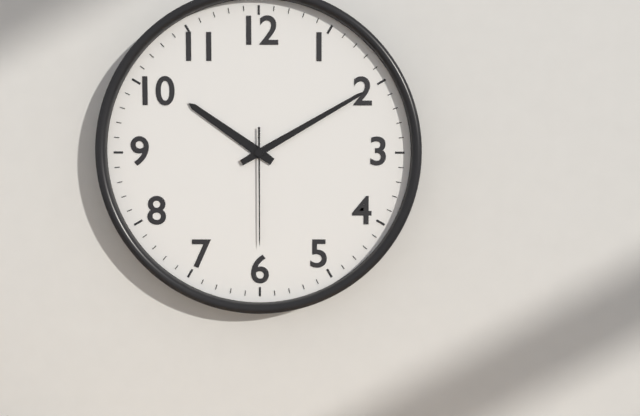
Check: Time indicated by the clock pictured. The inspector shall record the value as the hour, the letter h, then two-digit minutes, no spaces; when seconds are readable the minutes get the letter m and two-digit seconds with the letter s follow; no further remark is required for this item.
10h10m30s
